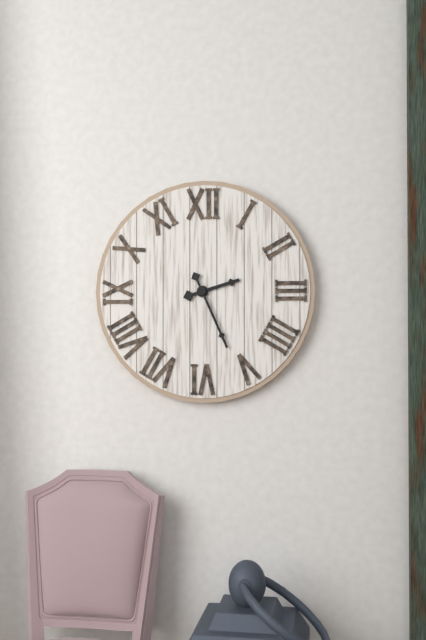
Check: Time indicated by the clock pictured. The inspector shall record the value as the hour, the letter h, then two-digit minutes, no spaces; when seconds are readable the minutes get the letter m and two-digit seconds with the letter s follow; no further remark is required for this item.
2h26
